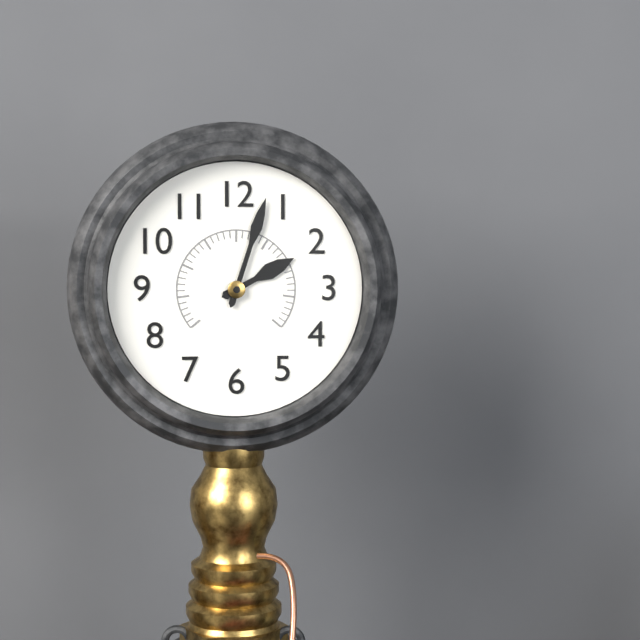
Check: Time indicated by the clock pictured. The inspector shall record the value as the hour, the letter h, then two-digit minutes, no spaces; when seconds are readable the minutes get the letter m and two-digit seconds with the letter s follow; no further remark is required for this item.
2h03
